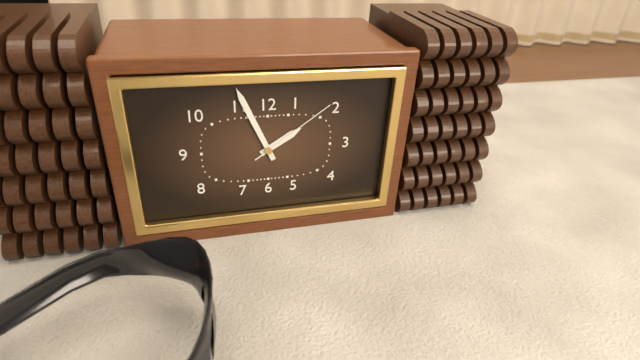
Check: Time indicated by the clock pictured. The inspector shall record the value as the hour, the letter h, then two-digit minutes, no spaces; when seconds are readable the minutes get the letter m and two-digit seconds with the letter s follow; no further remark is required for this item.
1h56m09s
